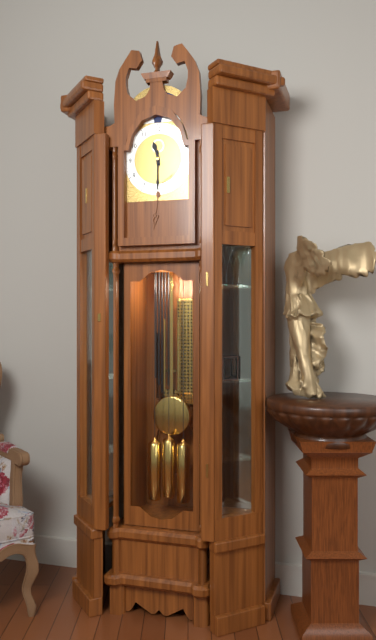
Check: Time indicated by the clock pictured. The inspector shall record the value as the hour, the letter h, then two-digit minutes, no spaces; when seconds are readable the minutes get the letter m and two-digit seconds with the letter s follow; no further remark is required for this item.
11h30
